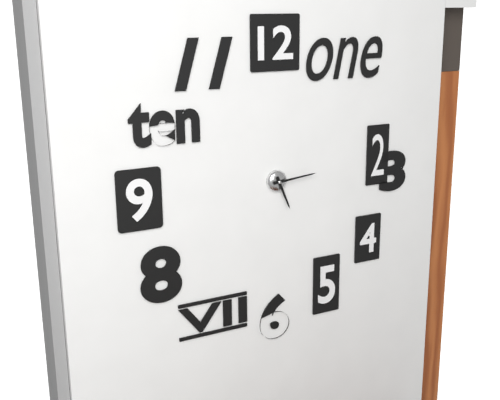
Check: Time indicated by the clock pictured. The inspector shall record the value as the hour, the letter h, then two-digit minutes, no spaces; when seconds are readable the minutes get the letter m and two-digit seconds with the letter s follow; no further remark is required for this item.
5h14
